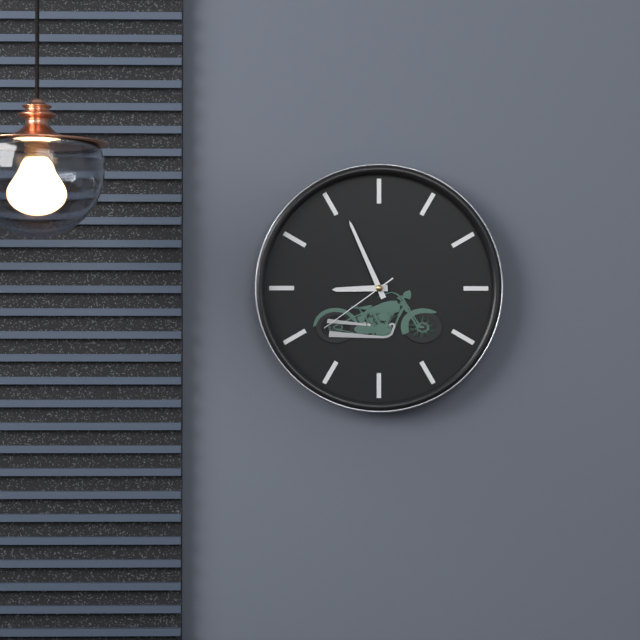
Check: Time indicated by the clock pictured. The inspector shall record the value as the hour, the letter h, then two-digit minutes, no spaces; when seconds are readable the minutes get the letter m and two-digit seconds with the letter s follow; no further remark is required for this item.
8h56m39s
